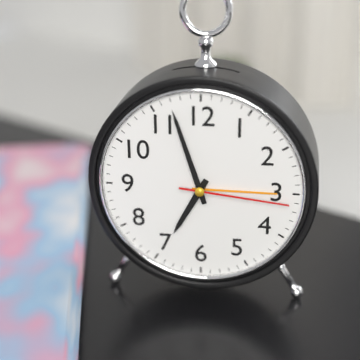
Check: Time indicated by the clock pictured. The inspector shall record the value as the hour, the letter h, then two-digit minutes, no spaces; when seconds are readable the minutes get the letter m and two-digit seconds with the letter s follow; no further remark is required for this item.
6h57m16s
